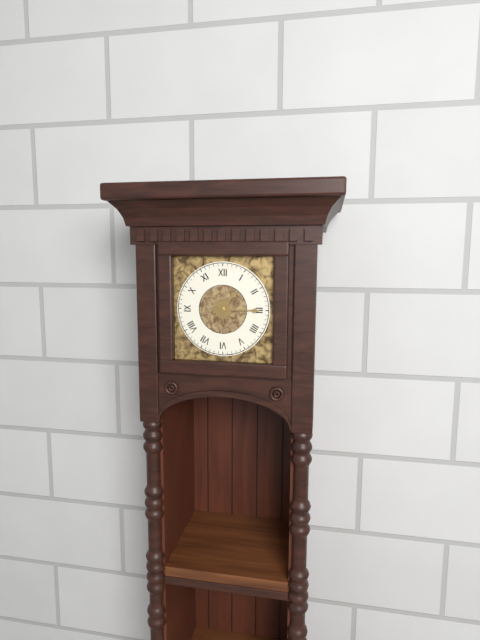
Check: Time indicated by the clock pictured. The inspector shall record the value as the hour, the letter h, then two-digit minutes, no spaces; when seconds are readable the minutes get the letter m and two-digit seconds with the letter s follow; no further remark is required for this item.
1h15
